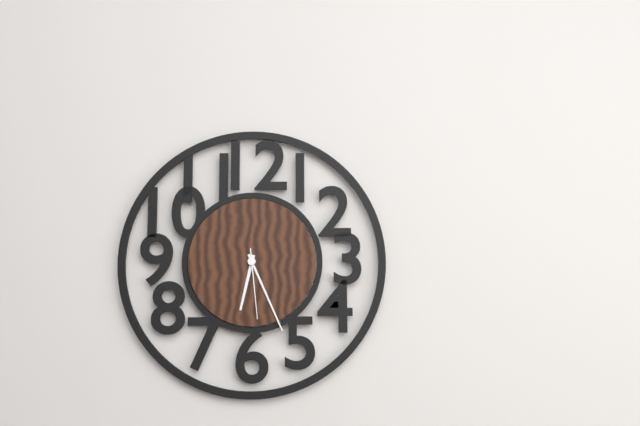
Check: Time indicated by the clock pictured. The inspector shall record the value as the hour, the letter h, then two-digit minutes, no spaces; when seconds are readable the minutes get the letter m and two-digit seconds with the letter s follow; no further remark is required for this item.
6h26m29s
